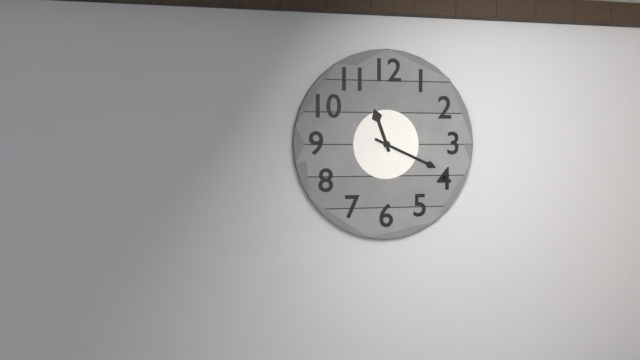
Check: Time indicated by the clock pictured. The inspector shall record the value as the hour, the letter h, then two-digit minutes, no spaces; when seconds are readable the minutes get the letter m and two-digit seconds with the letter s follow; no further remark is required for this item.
11h19
